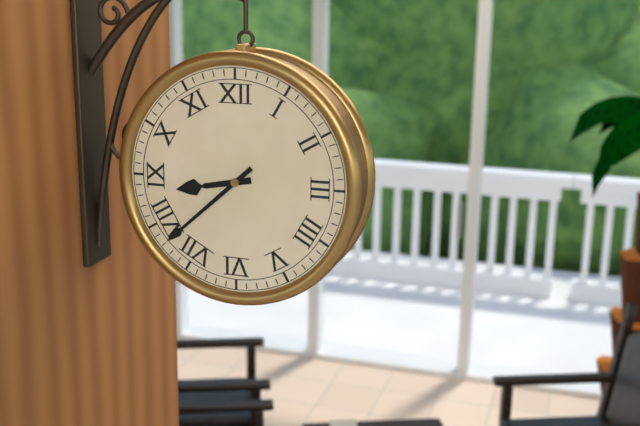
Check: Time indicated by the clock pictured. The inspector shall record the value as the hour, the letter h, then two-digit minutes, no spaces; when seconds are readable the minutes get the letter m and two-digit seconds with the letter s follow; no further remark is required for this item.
8h38
